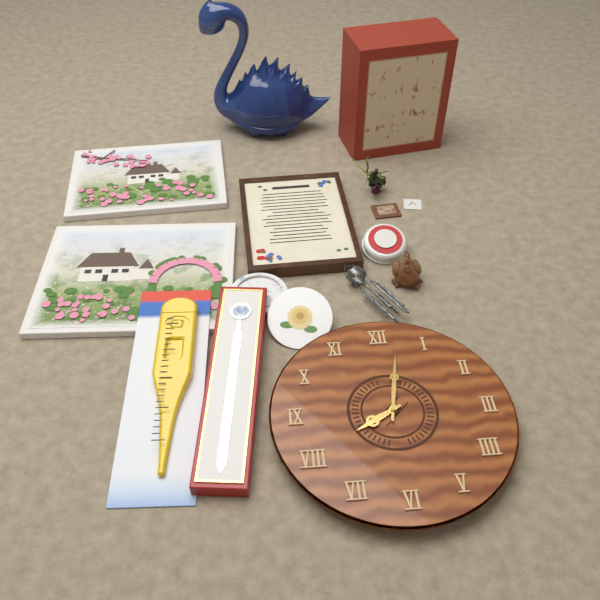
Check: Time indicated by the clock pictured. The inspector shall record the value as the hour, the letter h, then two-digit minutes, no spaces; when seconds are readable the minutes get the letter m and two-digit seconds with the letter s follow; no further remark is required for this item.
8h02
